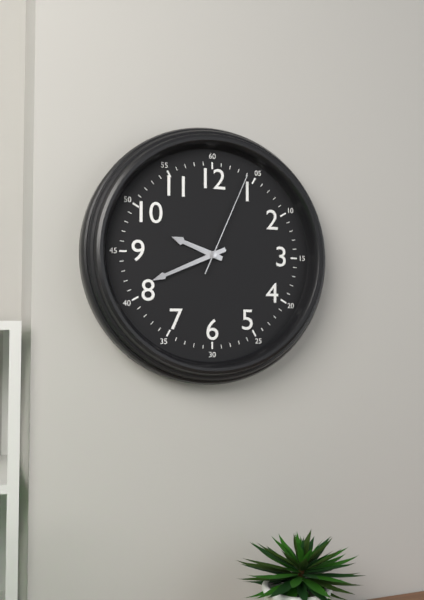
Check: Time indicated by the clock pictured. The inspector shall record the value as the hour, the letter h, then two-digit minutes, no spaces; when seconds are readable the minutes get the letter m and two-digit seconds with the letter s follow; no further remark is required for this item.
9h41m04s
